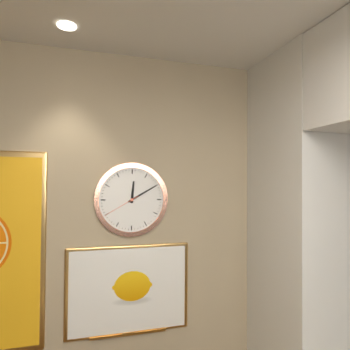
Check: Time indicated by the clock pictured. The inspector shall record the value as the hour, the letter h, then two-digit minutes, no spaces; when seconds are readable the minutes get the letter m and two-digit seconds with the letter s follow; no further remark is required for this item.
12h10
